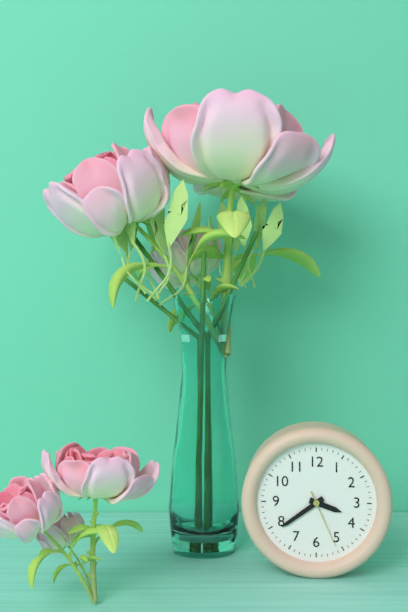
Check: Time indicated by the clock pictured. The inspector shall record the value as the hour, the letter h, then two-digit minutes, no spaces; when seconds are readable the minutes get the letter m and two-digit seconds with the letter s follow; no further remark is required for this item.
3h39m26s
